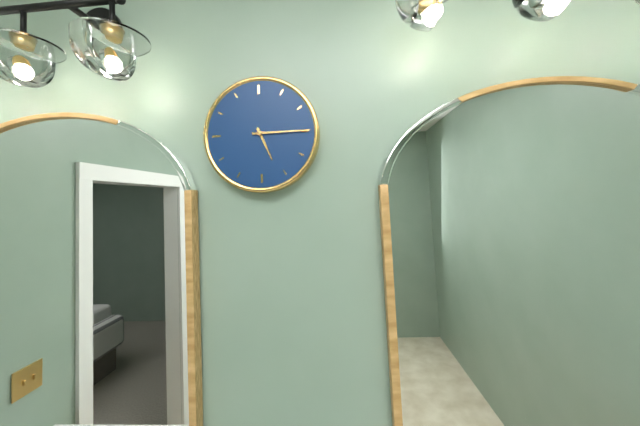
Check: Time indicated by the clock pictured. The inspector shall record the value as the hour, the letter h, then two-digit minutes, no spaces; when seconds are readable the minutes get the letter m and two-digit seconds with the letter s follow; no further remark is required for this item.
5h15
